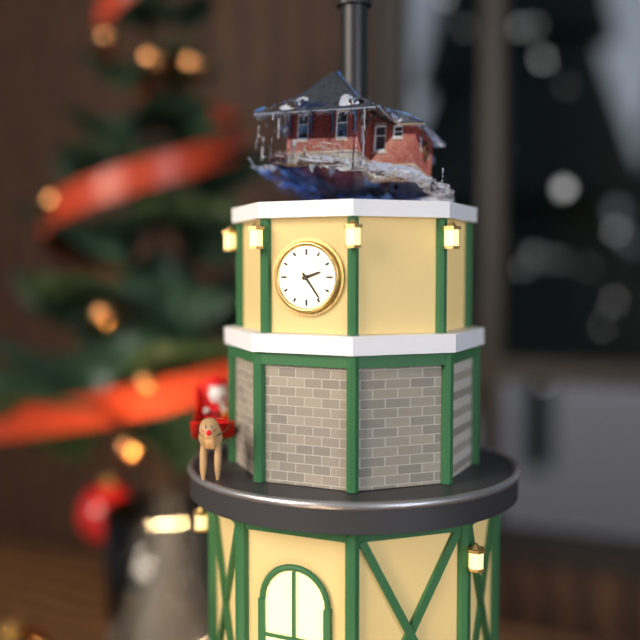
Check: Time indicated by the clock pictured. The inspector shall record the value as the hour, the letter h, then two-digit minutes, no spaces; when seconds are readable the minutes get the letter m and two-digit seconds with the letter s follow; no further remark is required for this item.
2h24
